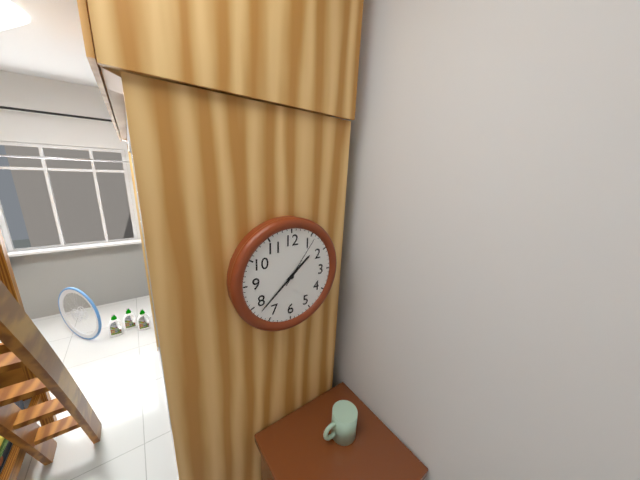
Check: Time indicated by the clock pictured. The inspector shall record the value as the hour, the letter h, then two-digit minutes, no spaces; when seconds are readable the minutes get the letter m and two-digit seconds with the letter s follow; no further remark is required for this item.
1h38m06s
